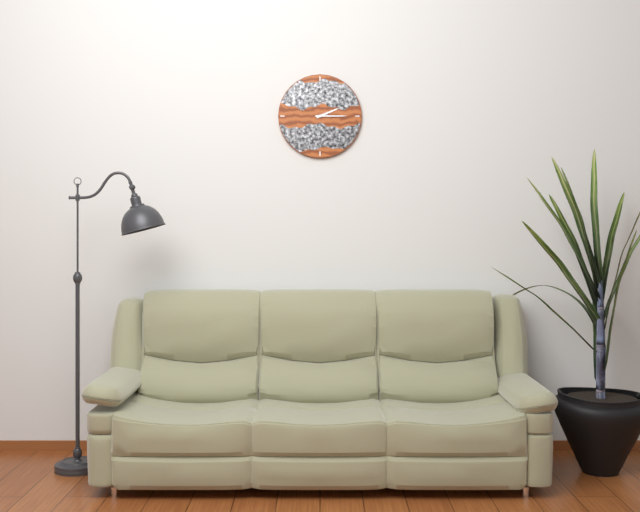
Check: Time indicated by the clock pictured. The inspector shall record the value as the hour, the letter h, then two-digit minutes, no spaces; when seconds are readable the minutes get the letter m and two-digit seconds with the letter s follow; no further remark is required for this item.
2h15
